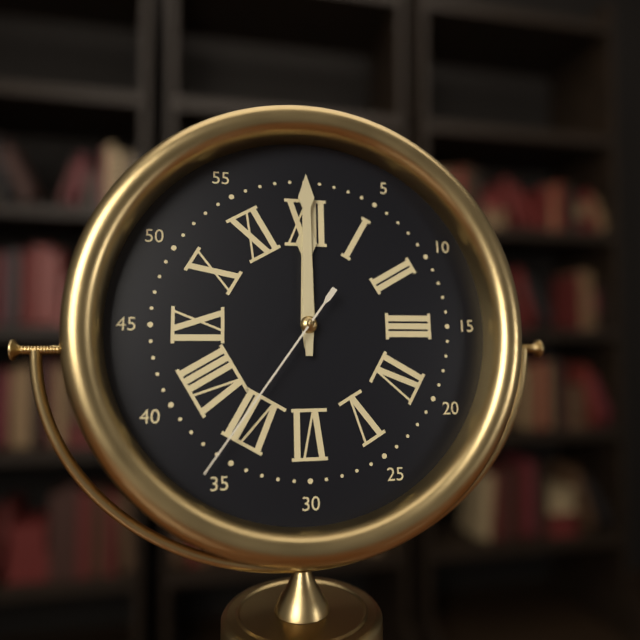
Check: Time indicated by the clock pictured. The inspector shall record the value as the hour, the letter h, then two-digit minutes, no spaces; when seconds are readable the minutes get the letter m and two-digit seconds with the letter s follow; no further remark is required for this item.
12h00m36s
